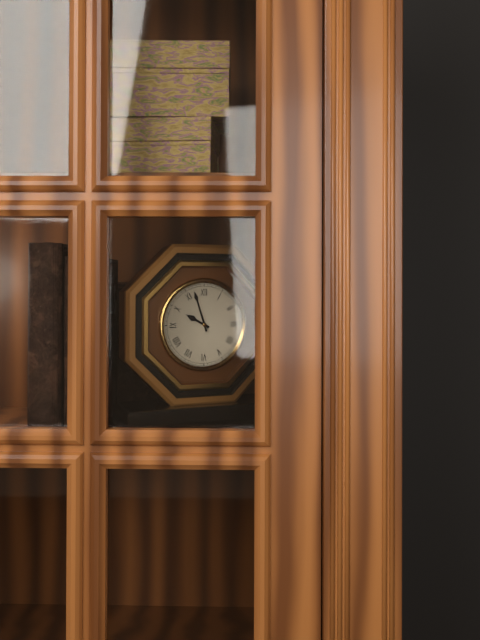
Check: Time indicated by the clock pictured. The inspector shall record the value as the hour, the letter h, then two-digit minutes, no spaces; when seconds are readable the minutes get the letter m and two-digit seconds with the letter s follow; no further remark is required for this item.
9h57
